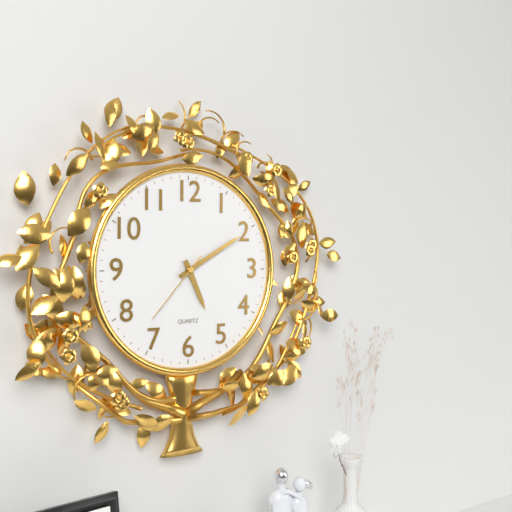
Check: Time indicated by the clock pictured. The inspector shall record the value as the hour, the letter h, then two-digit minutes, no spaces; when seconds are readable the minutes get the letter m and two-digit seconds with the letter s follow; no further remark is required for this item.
5h10m37s
